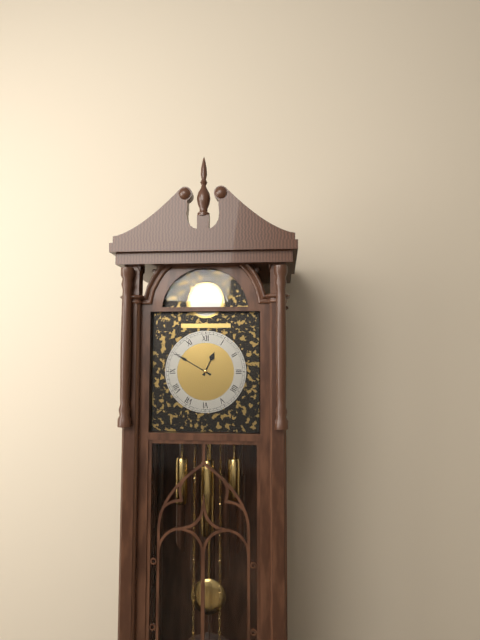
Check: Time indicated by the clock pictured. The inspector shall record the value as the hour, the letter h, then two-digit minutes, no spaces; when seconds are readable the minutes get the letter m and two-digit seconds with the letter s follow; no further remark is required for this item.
12h50
